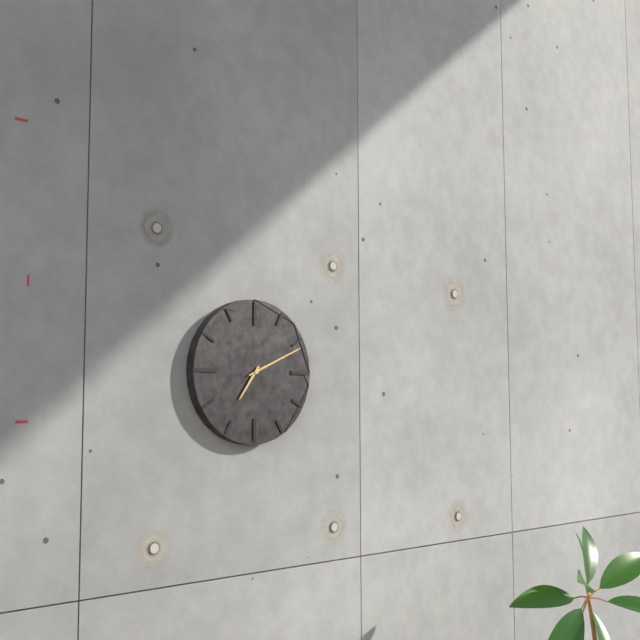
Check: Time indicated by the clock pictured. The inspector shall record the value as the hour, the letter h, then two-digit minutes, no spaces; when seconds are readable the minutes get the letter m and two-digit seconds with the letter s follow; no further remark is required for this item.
7h11
